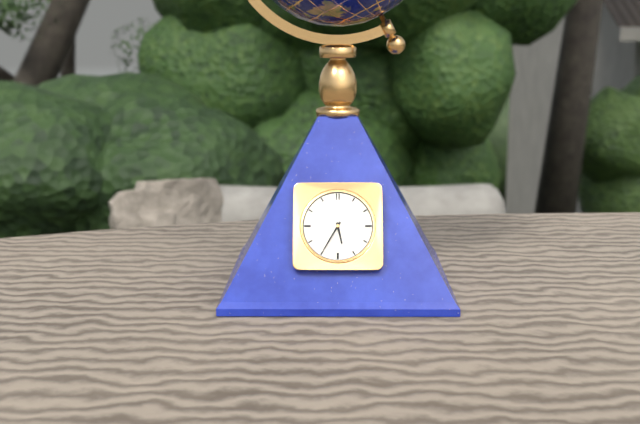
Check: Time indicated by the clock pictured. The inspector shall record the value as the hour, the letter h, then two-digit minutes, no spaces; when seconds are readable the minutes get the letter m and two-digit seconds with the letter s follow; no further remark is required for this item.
5h35
